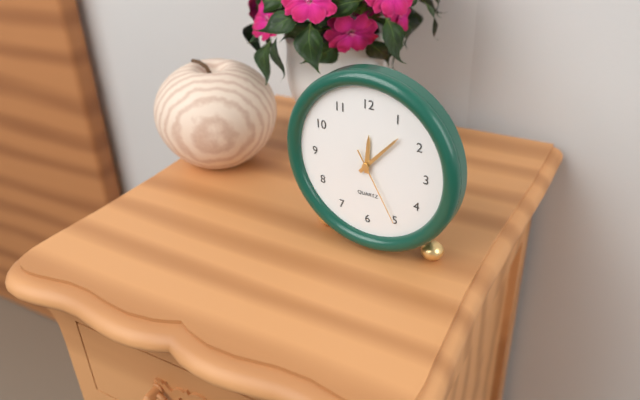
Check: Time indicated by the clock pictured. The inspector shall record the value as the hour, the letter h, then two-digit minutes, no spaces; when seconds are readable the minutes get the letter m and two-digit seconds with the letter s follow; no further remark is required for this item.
12h07m25s
